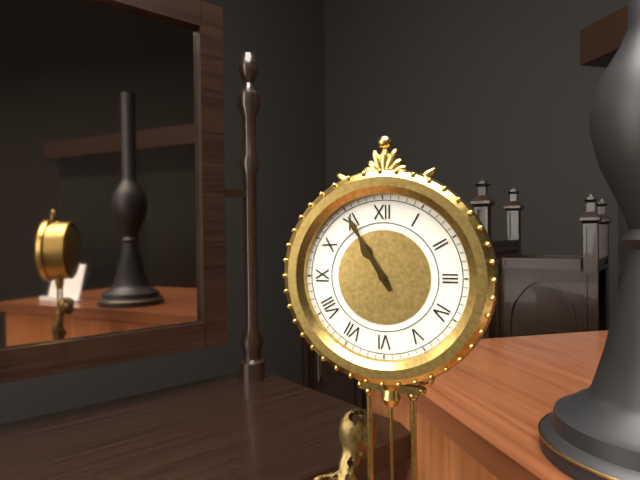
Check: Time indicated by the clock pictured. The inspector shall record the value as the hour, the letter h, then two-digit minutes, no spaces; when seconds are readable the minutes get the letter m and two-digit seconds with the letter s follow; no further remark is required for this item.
10h55
